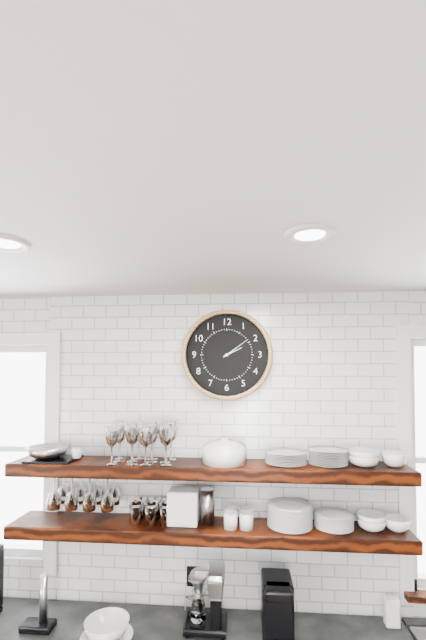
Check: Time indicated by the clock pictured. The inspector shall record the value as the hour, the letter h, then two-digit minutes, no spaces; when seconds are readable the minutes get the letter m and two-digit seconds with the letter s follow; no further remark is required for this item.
2h09
